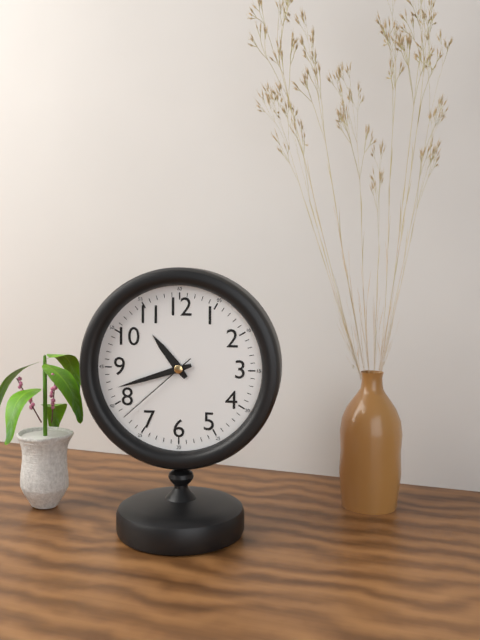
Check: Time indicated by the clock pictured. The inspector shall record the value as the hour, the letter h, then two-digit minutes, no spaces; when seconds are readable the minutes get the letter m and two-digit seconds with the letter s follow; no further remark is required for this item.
10h42m38s
